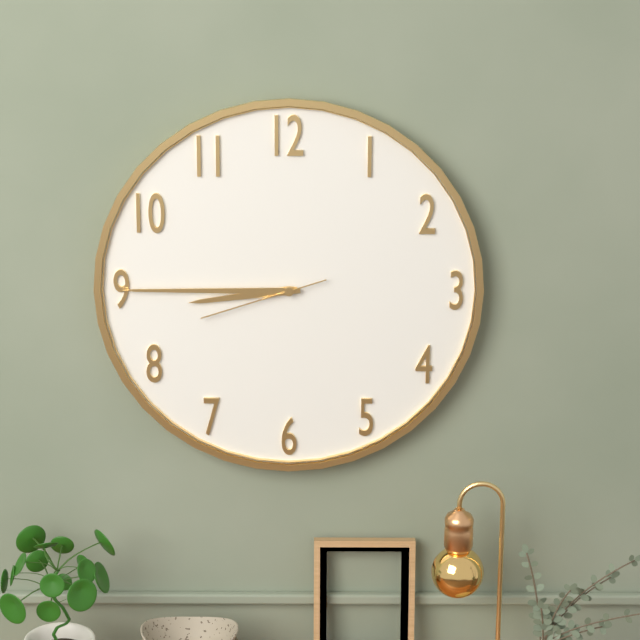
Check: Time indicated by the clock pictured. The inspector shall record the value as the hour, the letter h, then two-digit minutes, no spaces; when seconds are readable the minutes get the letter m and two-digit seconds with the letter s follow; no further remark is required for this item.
8h45m42s
